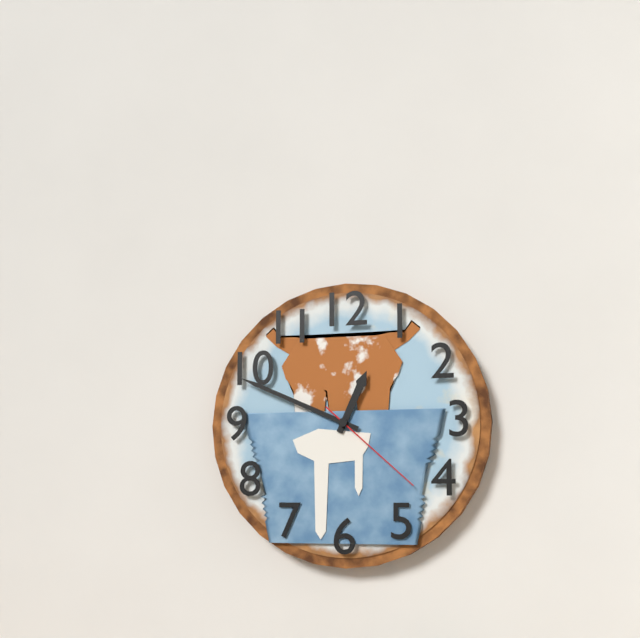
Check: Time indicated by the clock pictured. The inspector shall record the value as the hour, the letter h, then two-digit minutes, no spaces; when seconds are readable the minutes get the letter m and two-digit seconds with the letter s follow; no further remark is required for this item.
12h49m22s
